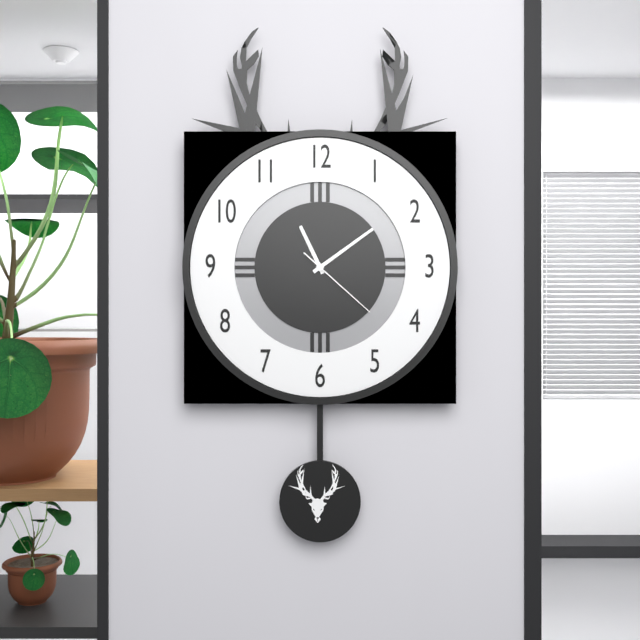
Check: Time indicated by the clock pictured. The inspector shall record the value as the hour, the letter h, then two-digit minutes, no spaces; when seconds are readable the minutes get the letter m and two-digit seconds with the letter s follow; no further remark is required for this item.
11h09m22s
